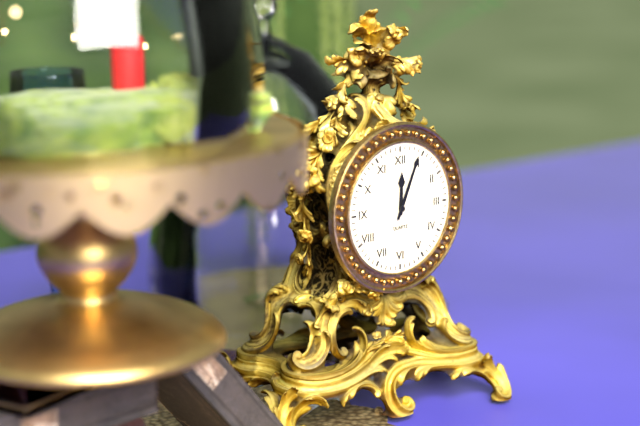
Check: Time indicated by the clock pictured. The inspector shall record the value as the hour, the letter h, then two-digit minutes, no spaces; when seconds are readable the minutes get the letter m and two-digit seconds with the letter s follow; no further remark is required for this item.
12h04
